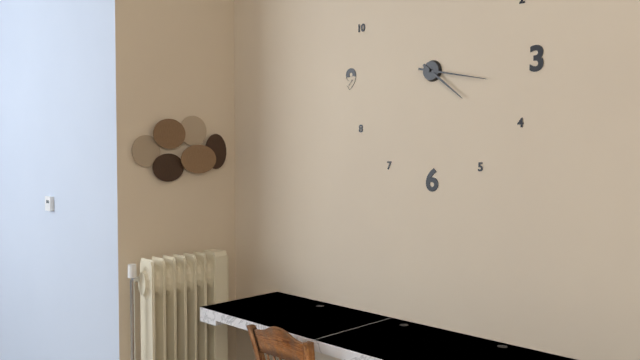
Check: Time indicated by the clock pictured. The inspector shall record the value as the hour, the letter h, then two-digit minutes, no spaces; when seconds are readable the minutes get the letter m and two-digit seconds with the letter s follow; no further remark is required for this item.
4h17
